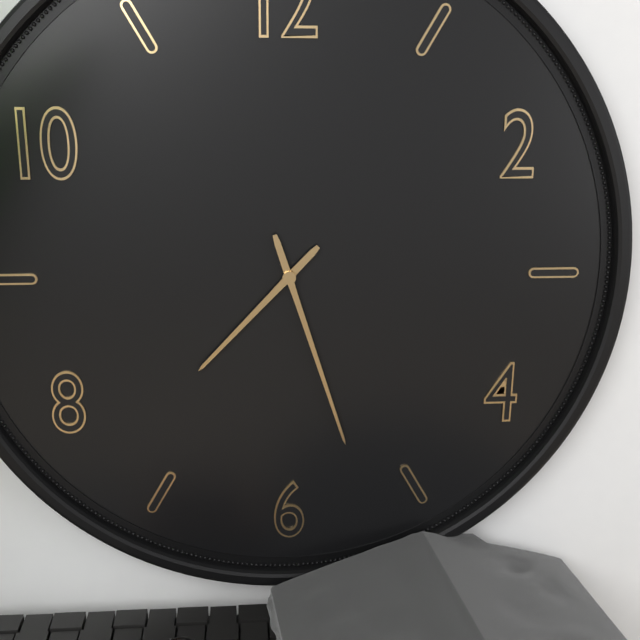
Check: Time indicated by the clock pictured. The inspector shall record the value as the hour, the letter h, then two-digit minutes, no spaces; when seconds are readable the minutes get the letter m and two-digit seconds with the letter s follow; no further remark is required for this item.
7h27
